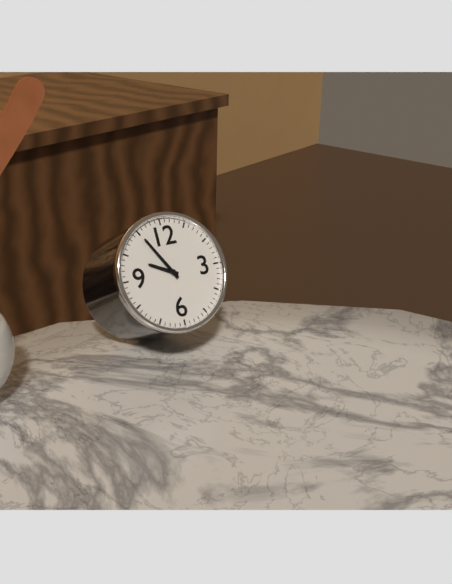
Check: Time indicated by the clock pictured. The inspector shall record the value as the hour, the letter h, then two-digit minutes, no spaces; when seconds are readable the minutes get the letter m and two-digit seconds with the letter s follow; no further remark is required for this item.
9h55
